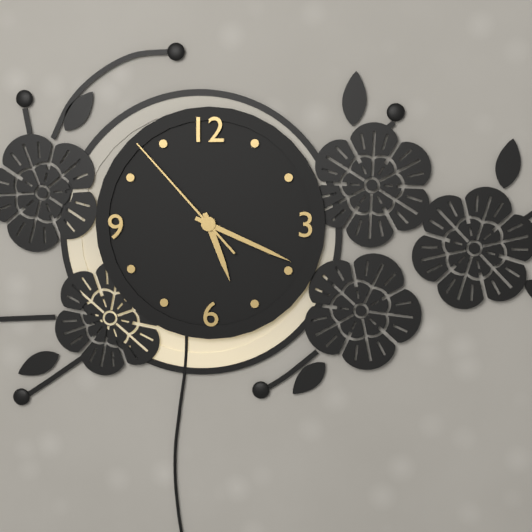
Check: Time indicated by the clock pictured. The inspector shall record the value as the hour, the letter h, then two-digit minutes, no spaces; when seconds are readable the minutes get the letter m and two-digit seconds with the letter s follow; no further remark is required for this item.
5h19m53s
